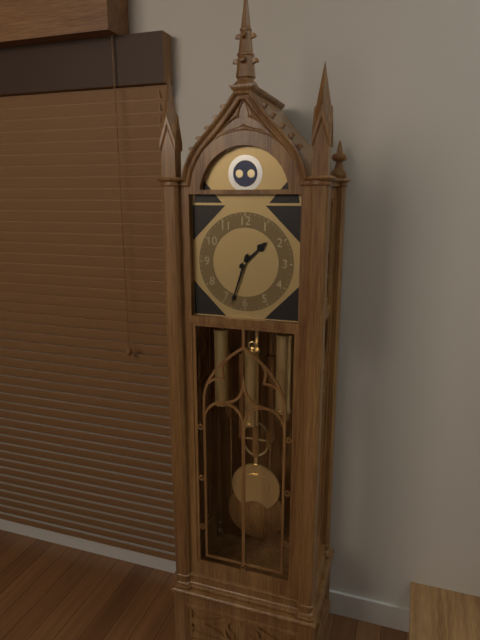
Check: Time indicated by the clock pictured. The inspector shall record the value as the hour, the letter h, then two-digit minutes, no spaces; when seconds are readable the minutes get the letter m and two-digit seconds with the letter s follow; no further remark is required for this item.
1h33
